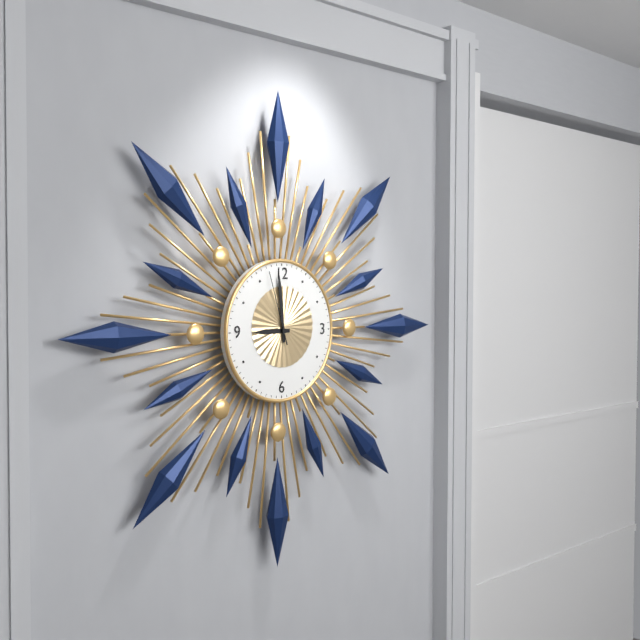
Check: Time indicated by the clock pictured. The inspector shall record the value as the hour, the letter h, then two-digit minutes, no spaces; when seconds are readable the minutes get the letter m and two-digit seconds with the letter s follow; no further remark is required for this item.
8h59m57s
